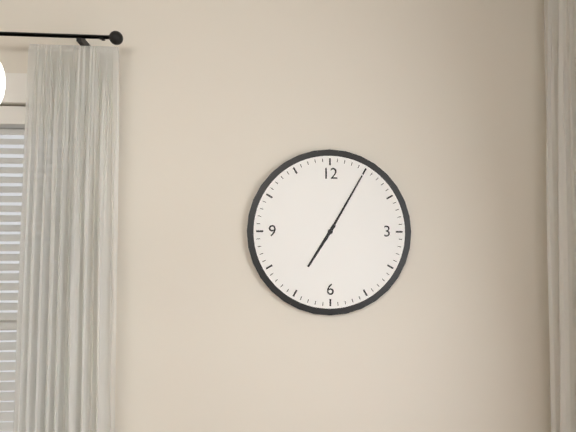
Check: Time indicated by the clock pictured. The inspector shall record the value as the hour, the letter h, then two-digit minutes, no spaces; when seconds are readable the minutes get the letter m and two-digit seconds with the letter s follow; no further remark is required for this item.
7h05
